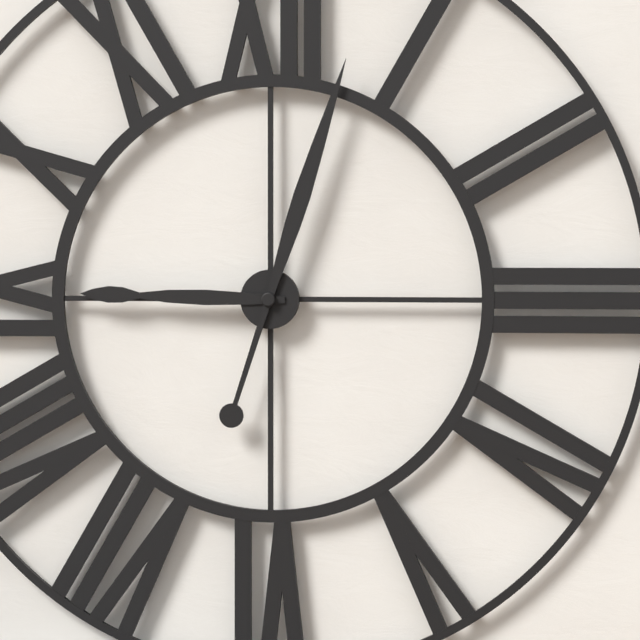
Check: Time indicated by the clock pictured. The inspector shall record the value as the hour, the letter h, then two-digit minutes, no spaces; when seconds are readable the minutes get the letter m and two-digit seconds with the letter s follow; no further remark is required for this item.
9h03
